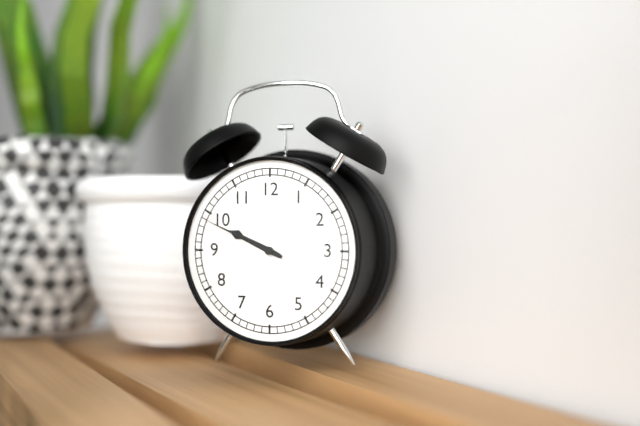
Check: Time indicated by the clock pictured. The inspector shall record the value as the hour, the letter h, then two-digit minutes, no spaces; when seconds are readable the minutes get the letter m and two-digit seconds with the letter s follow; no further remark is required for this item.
9h49
